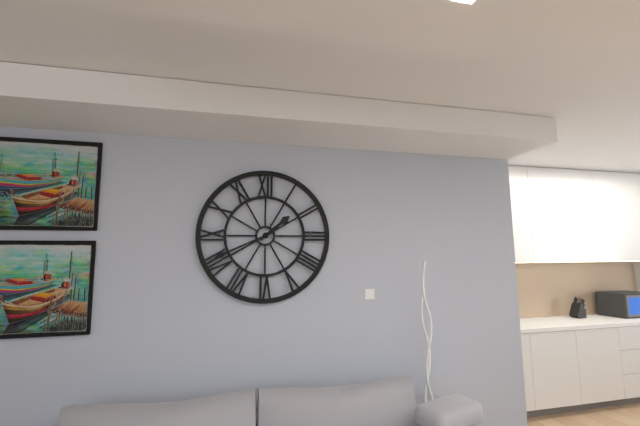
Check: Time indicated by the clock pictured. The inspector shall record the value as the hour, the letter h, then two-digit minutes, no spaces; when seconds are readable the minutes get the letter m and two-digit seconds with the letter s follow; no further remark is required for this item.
1h41
